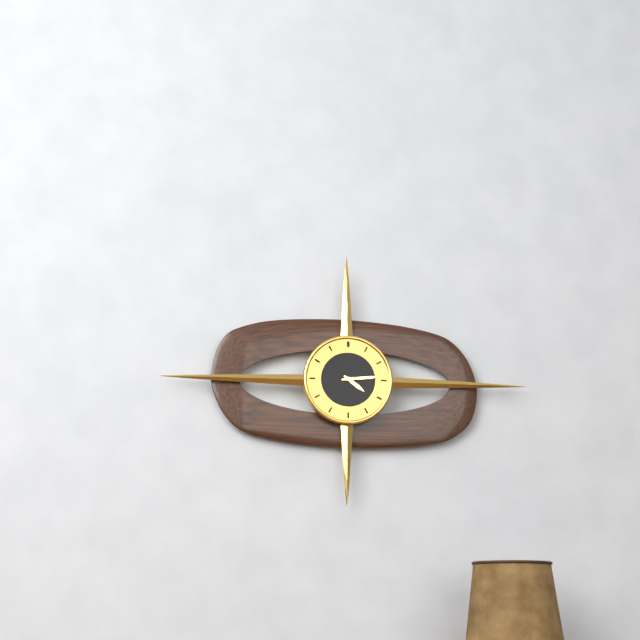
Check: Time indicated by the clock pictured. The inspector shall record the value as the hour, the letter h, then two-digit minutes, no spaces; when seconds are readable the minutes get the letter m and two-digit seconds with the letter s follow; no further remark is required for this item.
4h14
